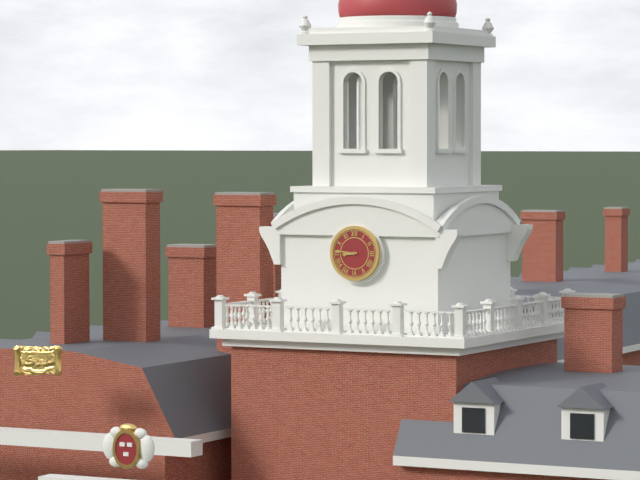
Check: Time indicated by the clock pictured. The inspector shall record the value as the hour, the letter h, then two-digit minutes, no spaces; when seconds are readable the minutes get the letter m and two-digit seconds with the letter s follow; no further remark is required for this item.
8h46
